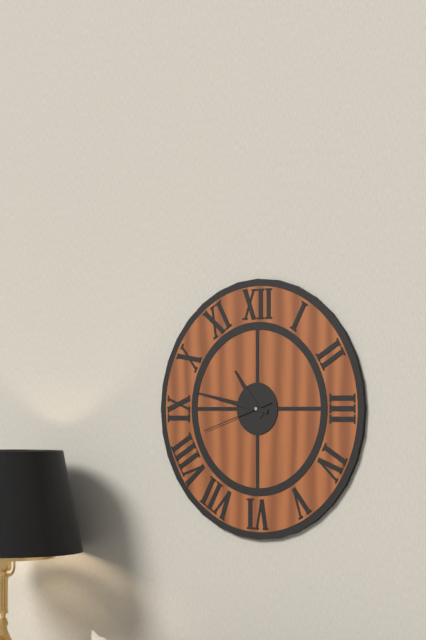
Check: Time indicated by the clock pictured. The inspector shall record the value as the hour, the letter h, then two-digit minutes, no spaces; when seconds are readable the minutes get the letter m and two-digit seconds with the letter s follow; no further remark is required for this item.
10h47m42s
